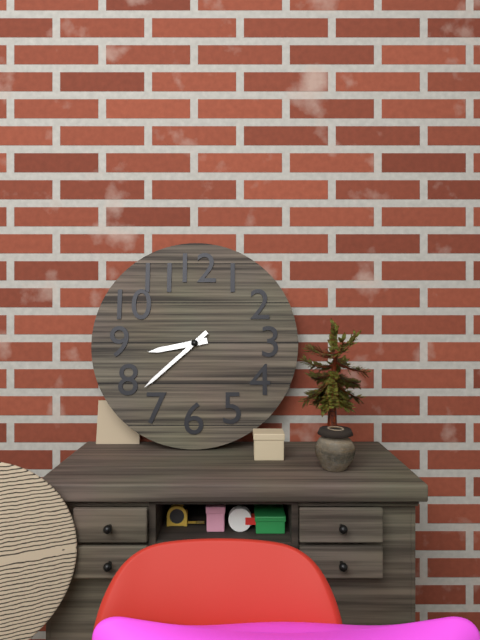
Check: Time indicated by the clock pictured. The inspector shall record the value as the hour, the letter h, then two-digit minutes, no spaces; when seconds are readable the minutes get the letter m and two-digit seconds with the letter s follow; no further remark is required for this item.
8h38
